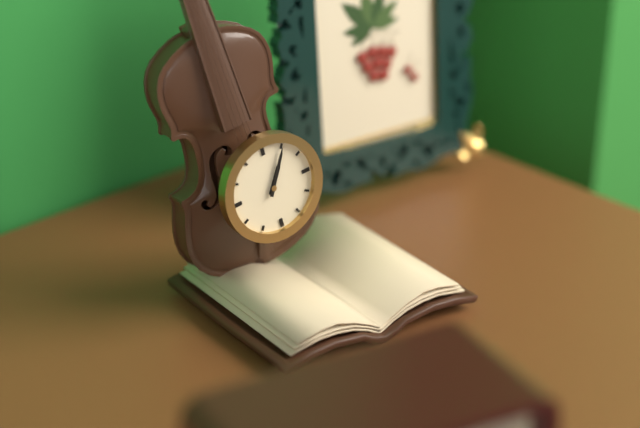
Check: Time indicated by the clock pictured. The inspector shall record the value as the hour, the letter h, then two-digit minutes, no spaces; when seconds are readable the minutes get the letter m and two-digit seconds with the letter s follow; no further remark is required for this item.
1h05
